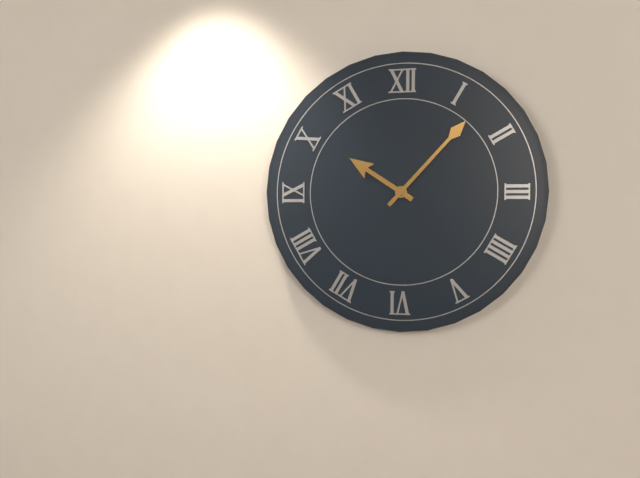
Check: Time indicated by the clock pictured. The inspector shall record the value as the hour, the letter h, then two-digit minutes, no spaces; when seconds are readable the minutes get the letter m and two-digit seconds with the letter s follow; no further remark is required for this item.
10h07
